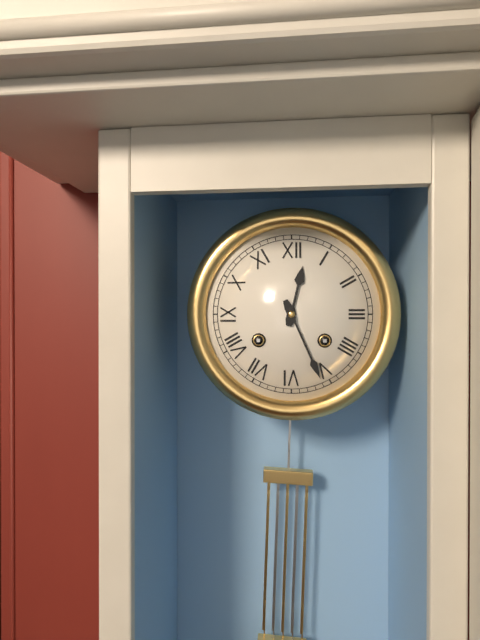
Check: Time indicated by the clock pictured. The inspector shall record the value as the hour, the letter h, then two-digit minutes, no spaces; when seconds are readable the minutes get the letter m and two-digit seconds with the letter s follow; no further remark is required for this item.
12h26
